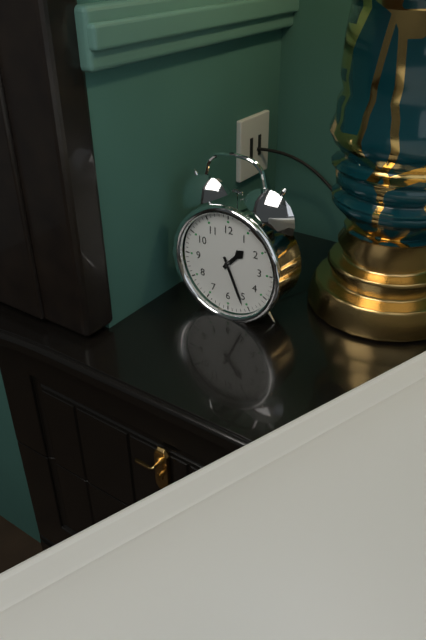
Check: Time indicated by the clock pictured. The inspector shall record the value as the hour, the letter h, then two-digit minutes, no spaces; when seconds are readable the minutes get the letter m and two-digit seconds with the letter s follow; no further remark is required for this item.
1h26
